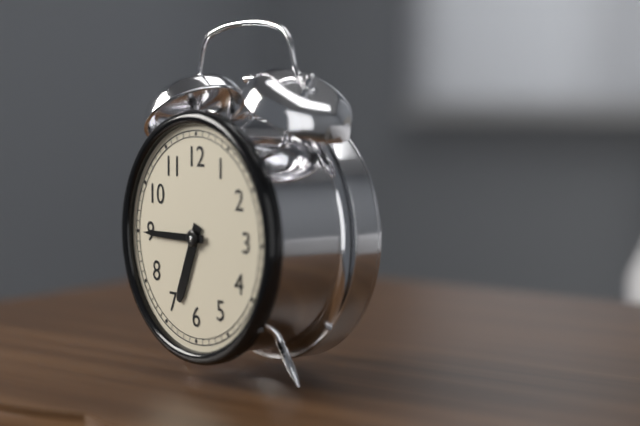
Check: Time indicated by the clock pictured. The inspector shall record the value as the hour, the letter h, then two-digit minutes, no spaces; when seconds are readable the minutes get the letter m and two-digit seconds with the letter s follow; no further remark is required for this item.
6h45
